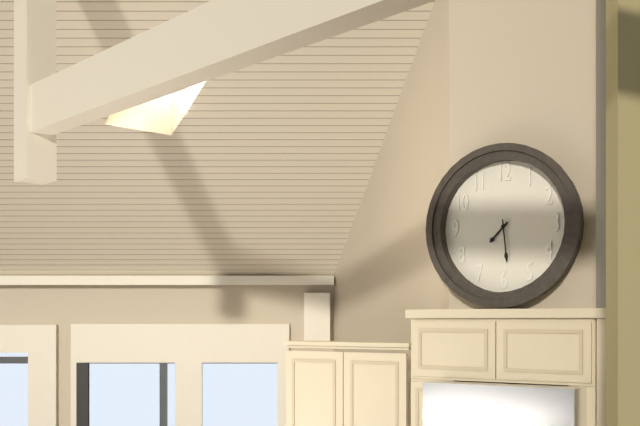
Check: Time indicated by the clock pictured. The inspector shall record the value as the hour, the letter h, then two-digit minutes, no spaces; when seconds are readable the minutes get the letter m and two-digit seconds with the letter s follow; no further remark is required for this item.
7h29
